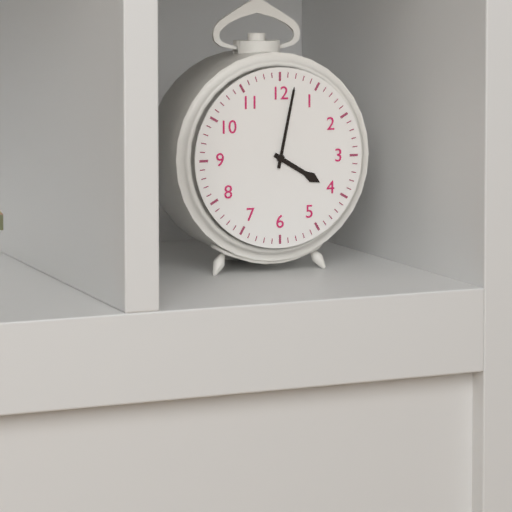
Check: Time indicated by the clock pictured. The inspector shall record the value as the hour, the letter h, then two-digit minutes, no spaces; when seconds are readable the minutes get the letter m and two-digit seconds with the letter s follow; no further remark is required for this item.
4h02
